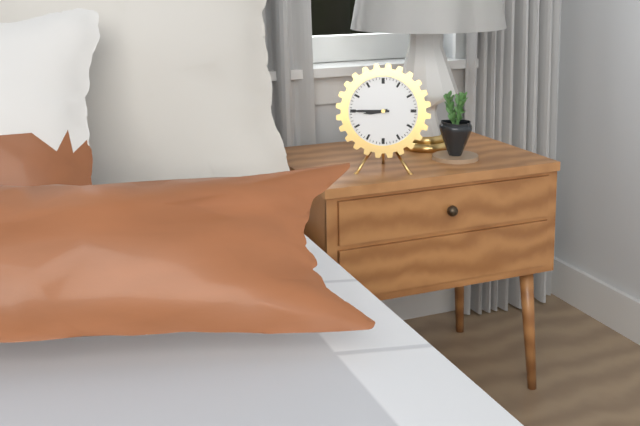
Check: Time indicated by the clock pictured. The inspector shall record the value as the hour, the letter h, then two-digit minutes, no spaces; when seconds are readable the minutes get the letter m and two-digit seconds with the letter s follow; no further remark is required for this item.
8h45
